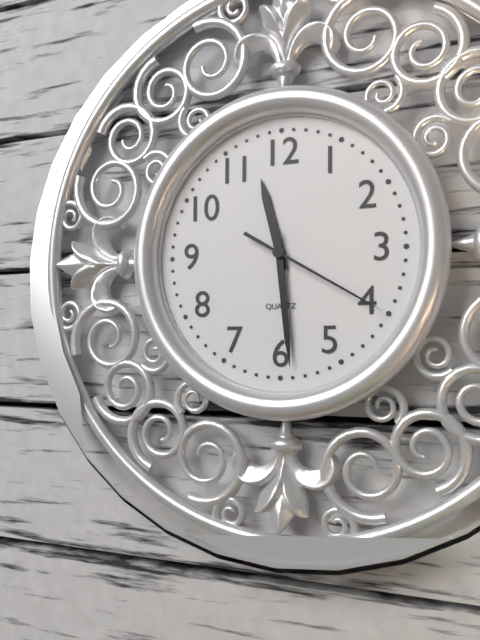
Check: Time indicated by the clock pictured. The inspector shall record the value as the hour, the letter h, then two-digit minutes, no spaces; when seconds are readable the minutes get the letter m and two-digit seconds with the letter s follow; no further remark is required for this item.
11h29m20s
